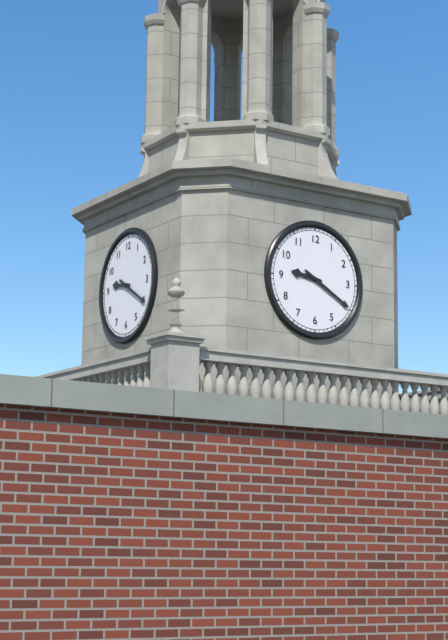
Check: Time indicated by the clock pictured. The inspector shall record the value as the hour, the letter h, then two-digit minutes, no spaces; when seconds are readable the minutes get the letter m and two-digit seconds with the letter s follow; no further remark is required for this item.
9h20
